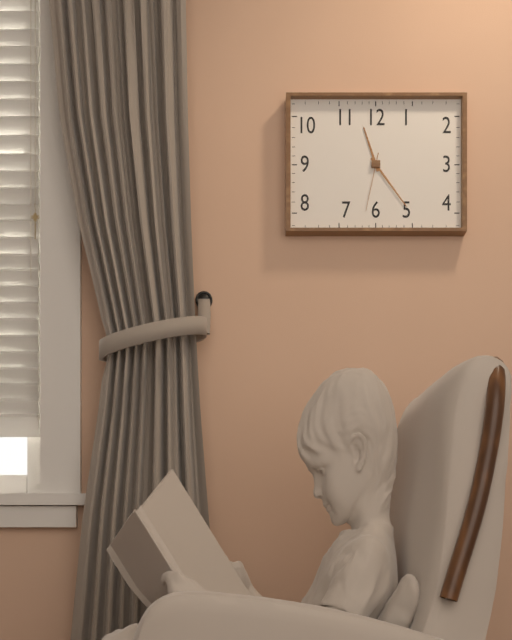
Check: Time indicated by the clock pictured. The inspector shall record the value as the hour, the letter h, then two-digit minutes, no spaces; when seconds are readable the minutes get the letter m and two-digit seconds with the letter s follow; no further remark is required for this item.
11h24m32s
